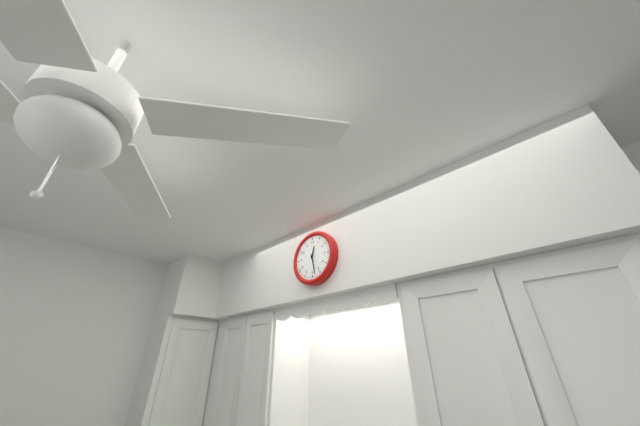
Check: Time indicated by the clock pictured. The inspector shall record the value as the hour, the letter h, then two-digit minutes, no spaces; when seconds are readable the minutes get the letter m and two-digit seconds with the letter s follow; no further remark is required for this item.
12h28
